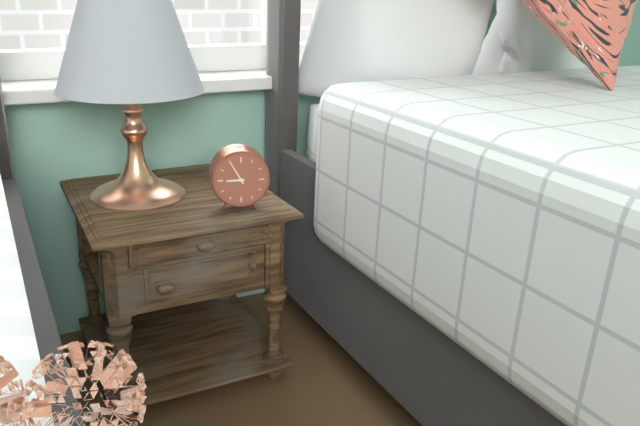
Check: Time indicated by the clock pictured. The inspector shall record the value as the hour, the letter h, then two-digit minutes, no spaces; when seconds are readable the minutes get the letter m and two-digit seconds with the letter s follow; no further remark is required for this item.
8h55
